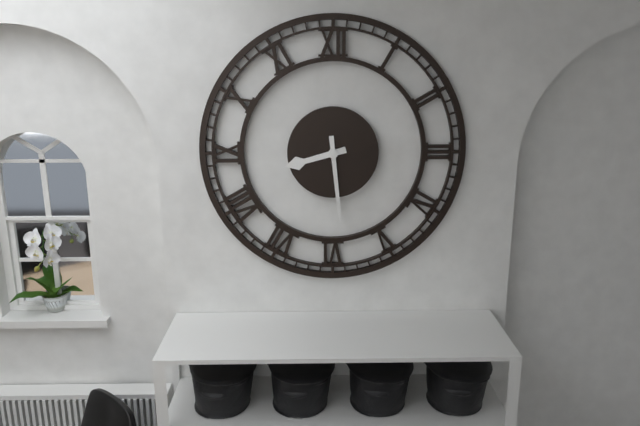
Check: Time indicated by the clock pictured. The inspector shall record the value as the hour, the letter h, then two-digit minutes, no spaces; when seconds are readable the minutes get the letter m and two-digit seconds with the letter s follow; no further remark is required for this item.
8h29
